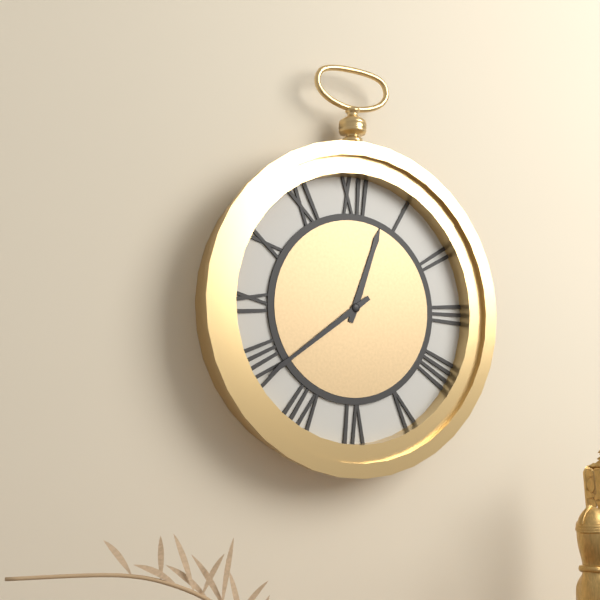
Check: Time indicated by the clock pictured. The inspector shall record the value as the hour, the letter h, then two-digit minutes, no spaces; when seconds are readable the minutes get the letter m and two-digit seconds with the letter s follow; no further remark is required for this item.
12h39
